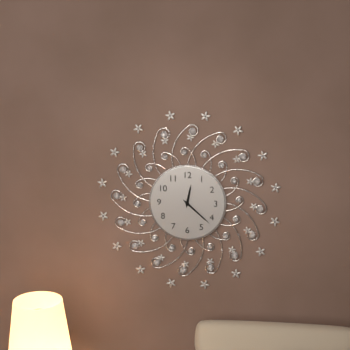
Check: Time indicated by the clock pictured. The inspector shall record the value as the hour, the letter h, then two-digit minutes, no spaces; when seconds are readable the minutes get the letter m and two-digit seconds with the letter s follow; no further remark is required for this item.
12h22
